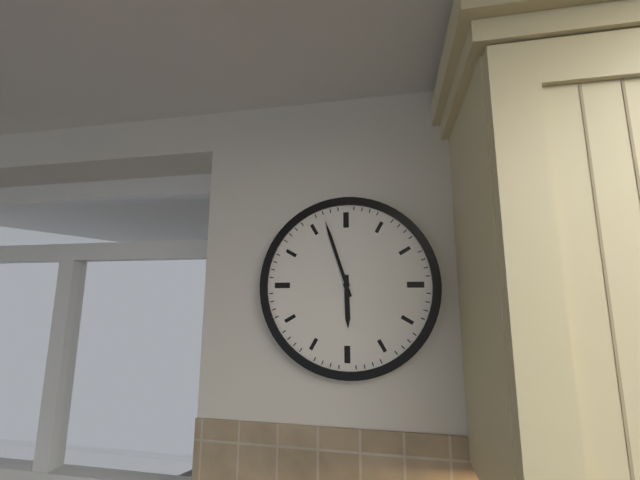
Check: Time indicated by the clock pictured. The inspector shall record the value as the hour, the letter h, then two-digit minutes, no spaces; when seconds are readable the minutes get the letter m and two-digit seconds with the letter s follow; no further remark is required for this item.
5h57
